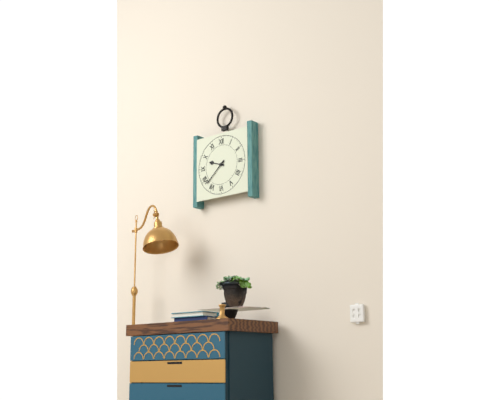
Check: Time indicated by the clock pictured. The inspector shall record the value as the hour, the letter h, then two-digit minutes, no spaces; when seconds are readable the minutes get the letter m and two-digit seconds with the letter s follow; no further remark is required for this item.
9h38
